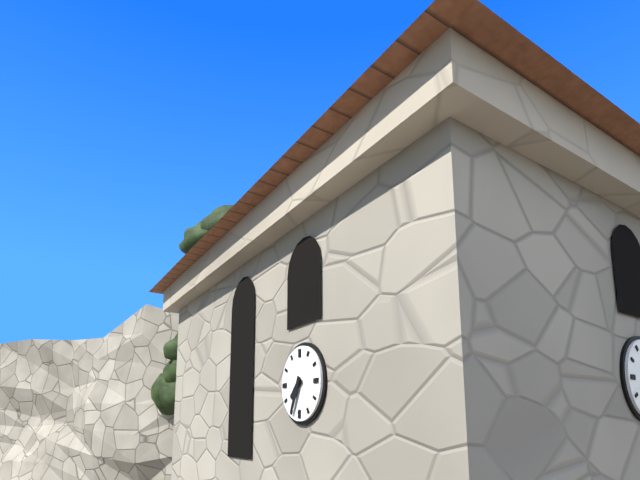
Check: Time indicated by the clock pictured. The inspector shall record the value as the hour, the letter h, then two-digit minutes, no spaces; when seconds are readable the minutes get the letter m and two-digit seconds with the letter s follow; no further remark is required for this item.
7h34
